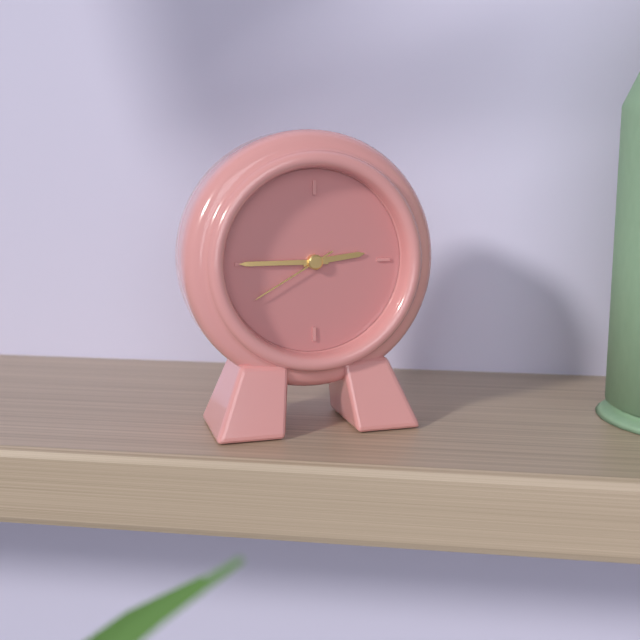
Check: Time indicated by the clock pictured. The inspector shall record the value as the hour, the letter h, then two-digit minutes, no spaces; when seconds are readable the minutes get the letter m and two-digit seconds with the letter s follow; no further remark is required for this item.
2h45m40s
